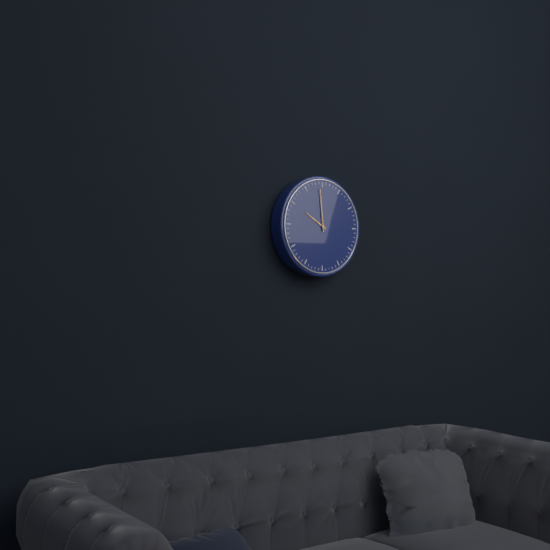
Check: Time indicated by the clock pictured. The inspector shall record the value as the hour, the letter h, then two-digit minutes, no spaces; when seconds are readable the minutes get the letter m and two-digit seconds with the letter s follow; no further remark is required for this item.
9h59
